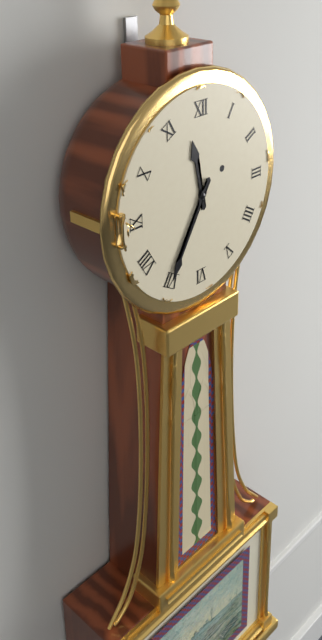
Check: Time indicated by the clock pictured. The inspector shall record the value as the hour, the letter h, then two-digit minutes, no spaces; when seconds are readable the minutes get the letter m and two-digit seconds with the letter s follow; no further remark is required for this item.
11h35
